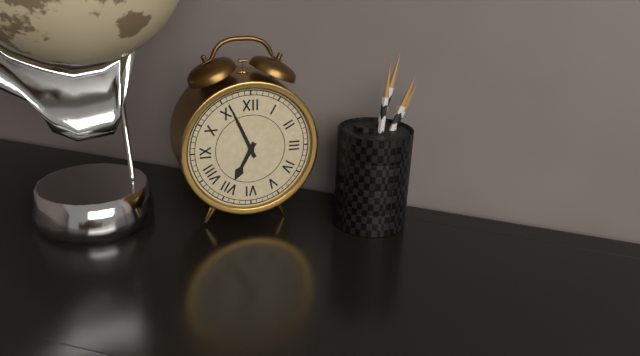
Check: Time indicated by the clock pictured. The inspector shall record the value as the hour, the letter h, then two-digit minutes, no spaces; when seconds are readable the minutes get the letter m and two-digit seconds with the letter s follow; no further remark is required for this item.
6h56
